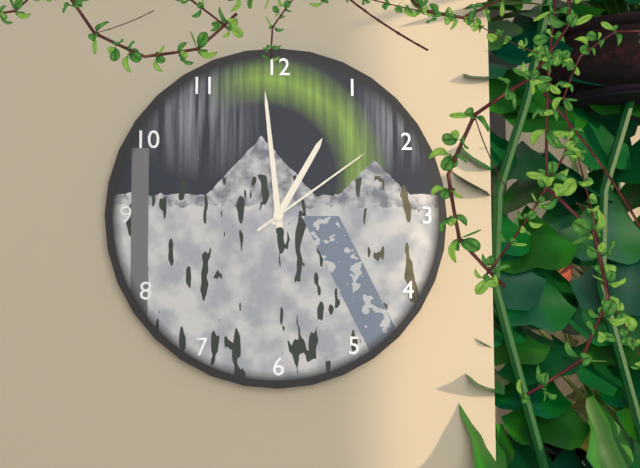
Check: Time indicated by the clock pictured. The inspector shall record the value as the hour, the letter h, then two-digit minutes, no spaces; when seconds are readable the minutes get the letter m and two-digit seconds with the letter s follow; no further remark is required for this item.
12h59m09s
